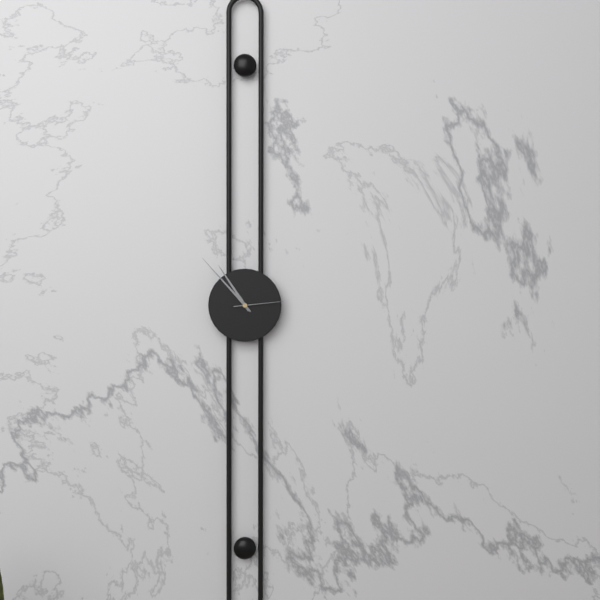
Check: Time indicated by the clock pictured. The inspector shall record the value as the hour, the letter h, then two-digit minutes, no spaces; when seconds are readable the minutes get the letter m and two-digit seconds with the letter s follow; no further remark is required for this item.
10h53m14s
